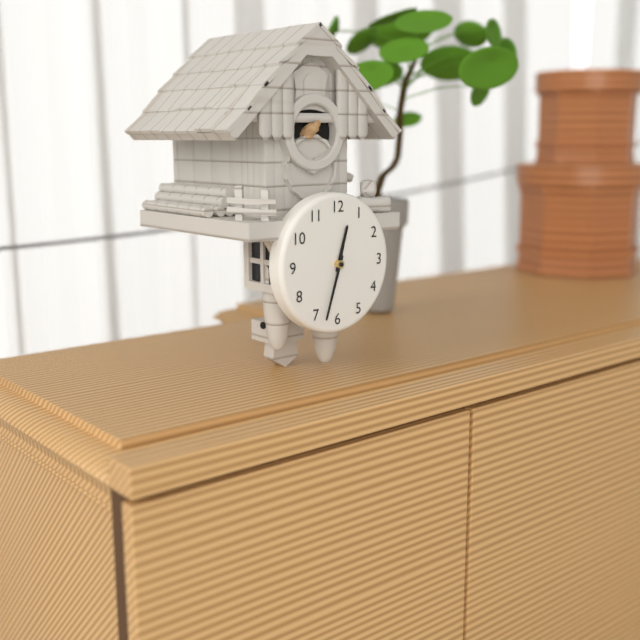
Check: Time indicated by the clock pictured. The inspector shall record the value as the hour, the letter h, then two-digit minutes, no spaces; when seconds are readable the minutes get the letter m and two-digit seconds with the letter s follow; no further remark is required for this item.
12h33
